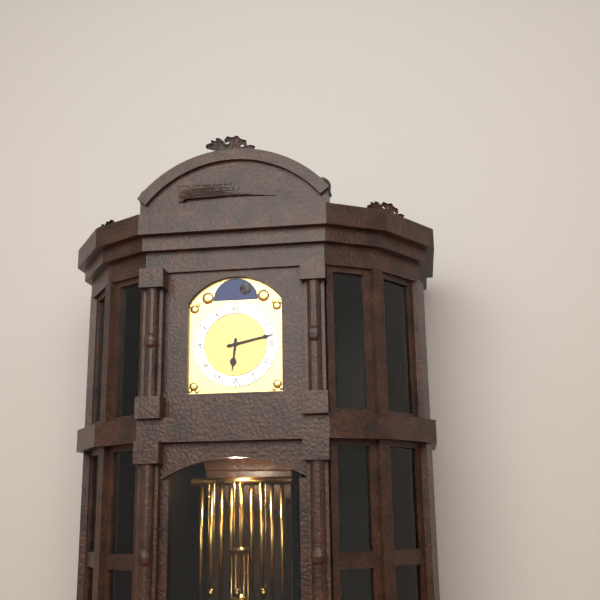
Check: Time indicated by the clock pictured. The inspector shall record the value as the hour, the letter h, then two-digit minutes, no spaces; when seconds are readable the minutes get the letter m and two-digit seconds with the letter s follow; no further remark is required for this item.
6h13
